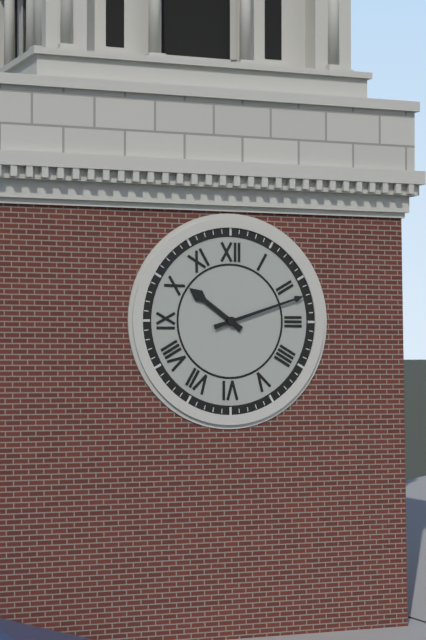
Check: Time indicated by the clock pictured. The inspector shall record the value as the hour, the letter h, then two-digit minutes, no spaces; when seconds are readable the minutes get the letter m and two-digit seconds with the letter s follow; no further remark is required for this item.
10h12
